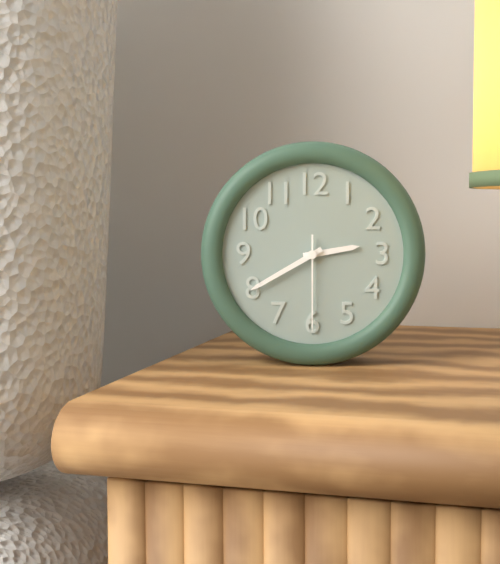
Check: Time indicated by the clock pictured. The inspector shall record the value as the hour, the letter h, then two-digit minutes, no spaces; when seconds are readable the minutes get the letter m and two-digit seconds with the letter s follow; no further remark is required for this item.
2h40m30s
